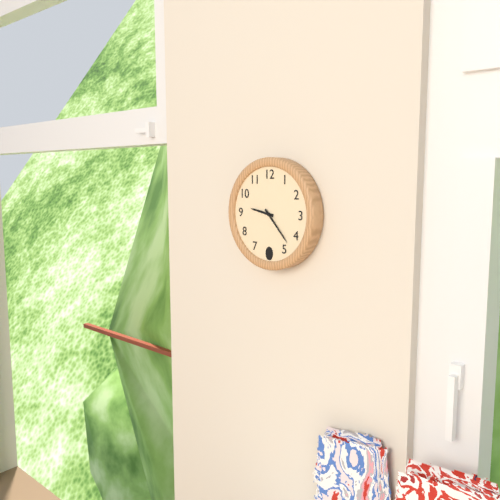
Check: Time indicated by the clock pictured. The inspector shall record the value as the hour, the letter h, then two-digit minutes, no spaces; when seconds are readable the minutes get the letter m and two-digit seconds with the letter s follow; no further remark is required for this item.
9h23
